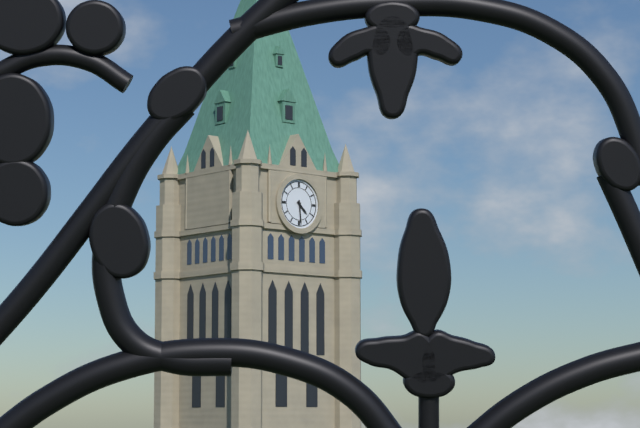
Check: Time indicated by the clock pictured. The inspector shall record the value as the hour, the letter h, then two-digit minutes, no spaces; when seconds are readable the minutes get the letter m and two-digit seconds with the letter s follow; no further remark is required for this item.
4h29
